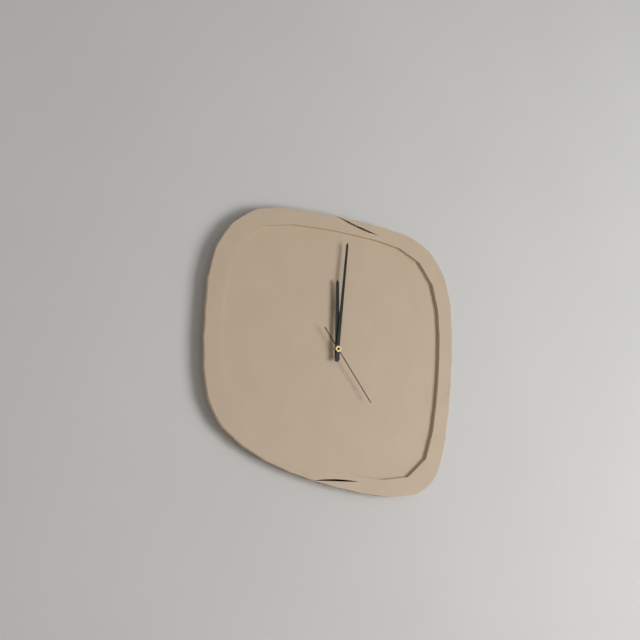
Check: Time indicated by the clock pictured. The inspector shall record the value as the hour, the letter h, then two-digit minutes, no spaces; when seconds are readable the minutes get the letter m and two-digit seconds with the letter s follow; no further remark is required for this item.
12h01m24s
